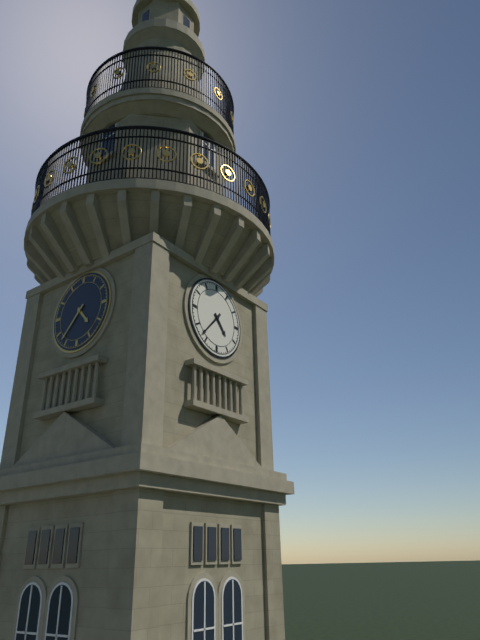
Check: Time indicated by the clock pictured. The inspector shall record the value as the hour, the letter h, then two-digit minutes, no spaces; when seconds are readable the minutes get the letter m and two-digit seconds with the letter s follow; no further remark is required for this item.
4h37
